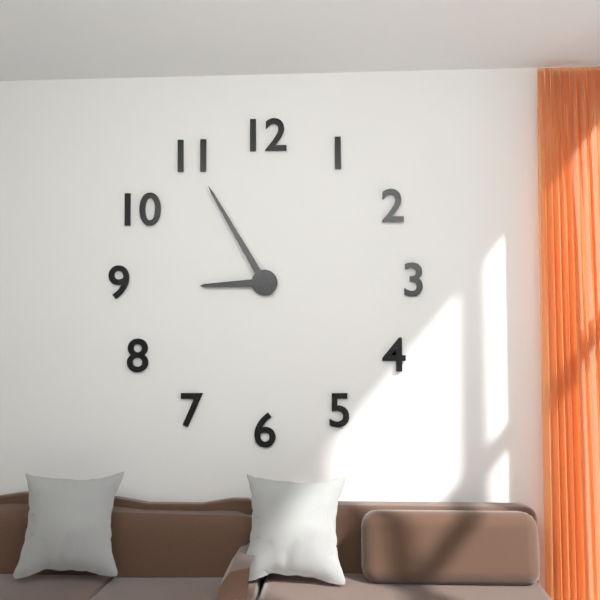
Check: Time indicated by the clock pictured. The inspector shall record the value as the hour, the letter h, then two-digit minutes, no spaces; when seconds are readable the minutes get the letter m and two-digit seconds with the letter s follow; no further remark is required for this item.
8h55
